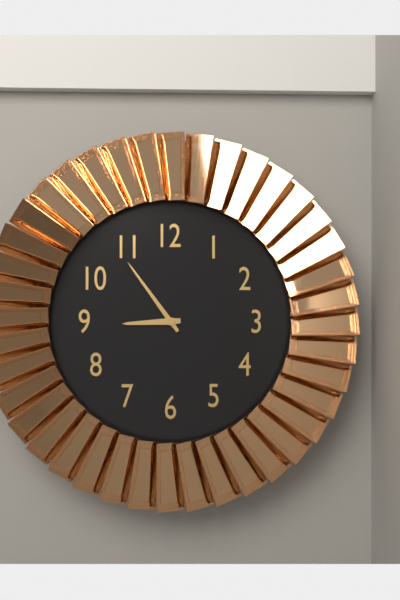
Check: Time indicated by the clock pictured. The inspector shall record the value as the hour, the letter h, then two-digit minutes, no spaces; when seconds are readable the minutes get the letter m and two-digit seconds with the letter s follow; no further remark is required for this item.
8h54
